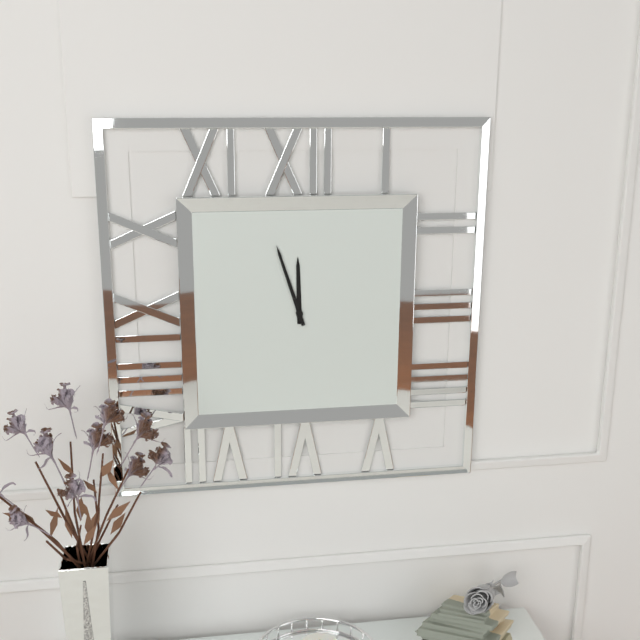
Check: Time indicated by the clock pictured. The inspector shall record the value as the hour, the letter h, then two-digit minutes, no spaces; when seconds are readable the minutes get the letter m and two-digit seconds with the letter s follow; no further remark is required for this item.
11h57
